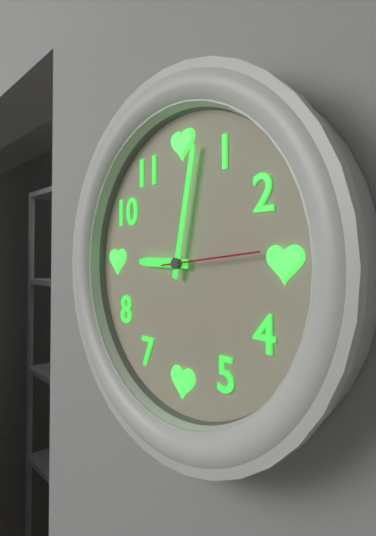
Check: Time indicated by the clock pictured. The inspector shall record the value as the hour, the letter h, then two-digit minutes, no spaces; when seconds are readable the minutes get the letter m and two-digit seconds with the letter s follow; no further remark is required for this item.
9h02m14s
